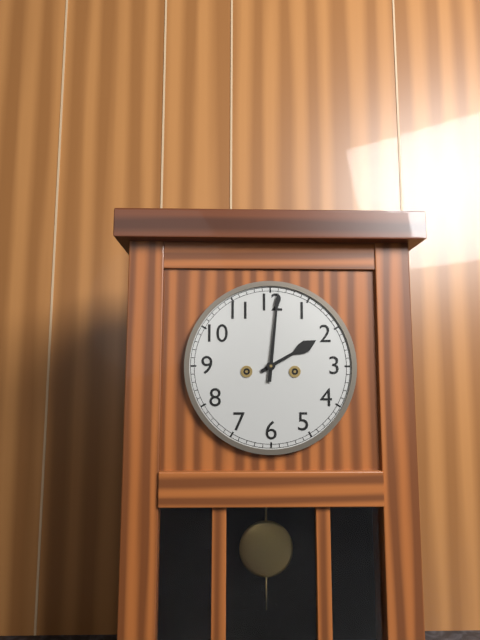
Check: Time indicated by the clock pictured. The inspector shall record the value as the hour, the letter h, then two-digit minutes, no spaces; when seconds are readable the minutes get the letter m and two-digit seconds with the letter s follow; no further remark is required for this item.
2h01
